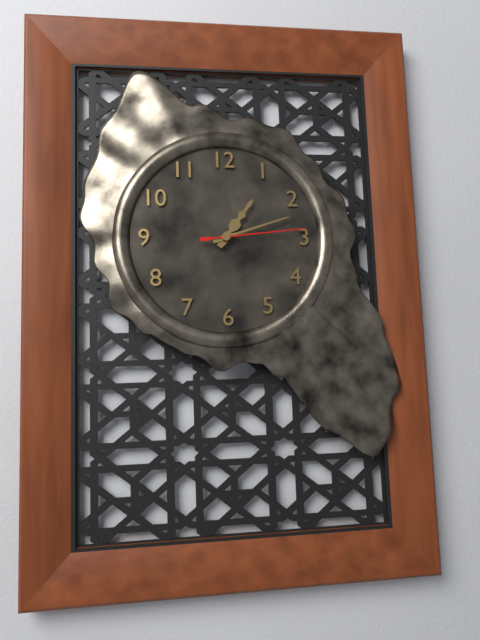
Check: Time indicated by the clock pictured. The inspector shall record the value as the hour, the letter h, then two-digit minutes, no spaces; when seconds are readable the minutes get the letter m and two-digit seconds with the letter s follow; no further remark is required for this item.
1h12m14s
